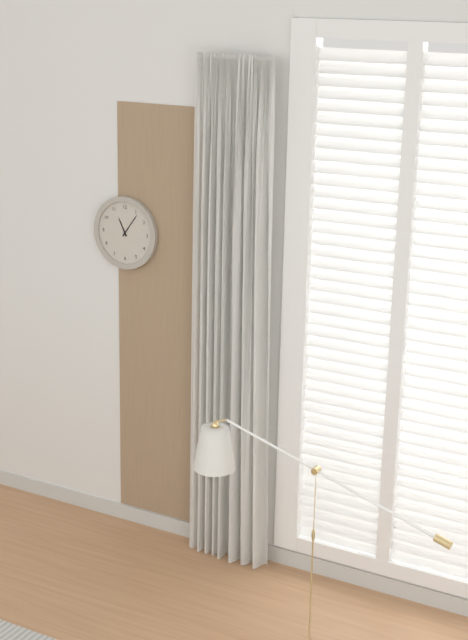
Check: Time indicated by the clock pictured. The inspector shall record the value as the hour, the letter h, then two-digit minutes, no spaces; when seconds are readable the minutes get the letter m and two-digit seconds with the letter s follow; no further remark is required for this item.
11h06
